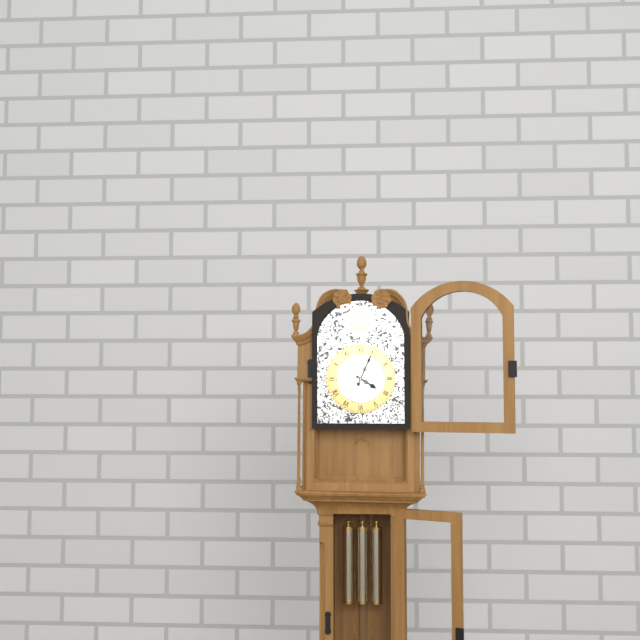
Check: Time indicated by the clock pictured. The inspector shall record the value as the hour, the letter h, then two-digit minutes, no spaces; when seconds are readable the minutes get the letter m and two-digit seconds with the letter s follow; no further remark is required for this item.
4h04
